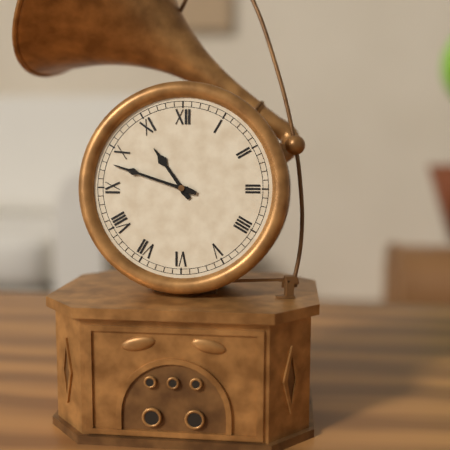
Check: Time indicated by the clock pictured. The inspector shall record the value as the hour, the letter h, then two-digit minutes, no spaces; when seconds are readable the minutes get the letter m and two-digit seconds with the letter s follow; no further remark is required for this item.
10h48
